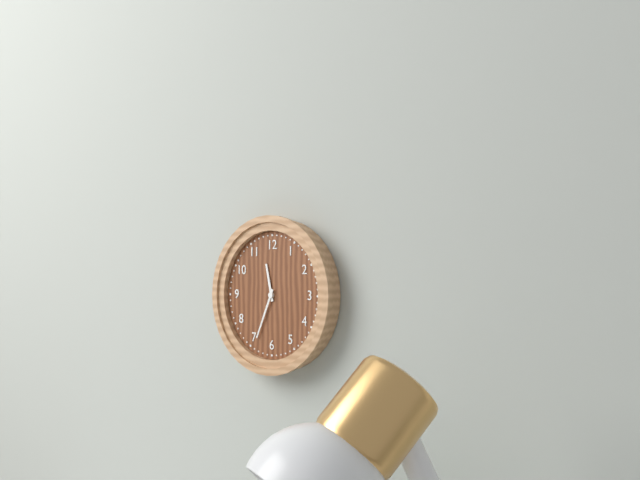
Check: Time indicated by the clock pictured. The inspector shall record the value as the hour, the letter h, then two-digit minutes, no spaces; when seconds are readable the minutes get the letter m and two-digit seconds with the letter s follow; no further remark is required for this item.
11h34
